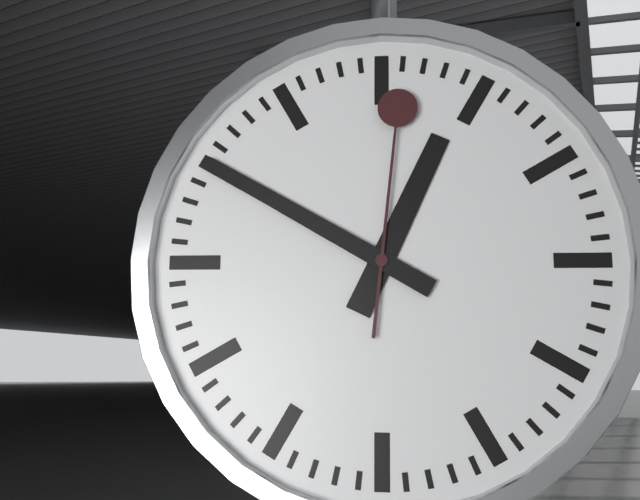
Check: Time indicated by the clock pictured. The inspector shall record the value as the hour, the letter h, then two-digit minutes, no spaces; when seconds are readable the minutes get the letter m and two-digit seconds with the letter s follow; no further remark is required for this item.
12h50m01s
